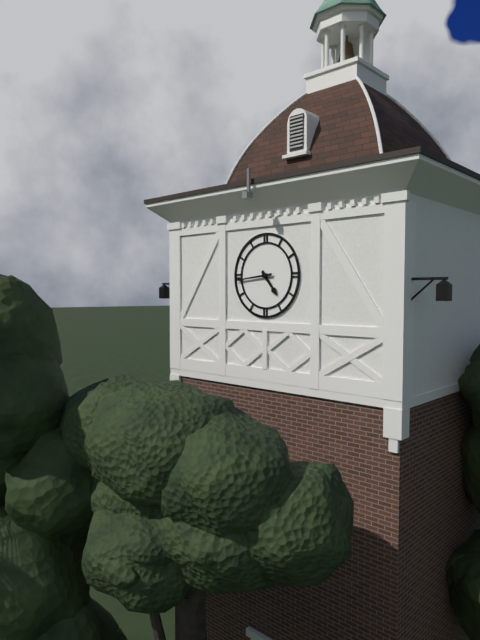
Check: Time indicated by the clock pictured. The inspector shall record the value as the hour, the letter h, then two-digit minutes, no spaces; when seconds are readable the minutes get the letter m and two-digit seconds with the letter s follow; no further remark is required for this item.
4h44
